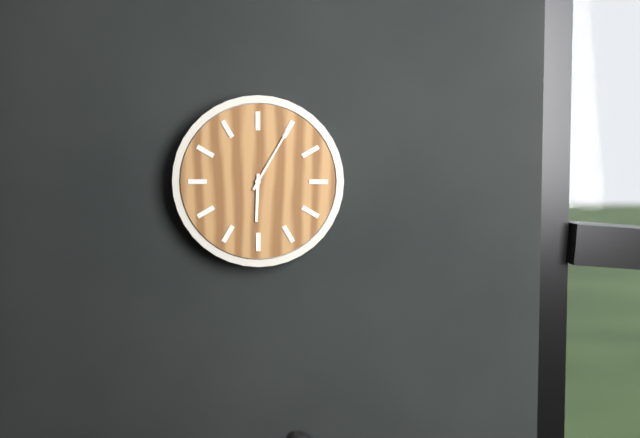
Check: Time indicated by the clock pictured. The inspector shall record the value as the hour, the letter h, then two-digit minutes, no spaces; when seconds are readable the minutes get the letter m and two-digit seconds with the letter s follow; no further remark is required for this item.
6h05
